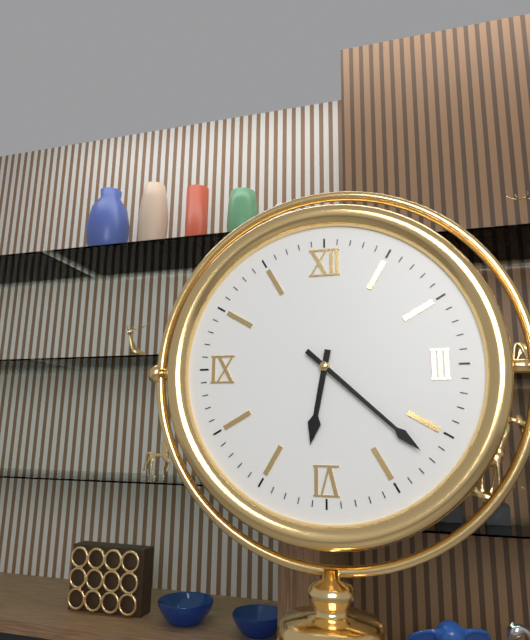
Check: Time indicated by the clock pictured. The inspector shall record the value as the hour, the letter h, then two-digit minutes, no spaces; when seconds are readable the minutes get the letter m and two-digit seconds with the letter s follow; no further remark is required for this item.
6h22
